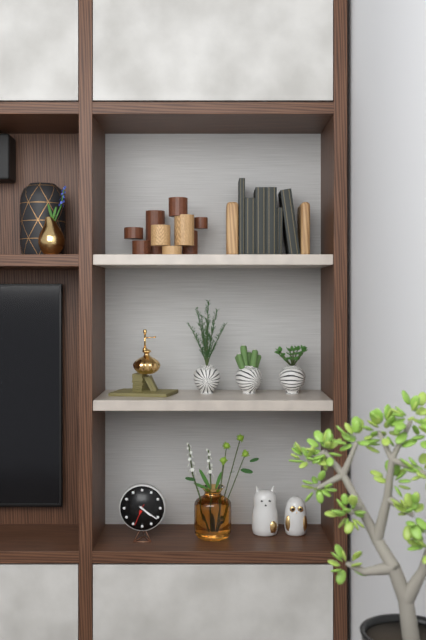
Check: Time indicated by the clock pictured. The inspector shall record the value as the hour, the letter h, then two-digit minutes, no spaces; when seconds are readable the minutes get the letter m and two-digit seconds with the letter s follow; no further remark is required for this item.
4h21
